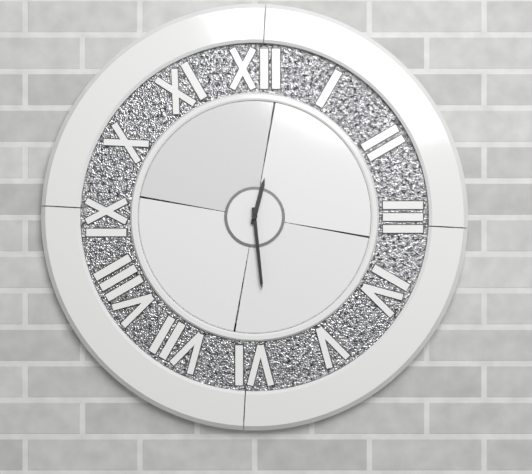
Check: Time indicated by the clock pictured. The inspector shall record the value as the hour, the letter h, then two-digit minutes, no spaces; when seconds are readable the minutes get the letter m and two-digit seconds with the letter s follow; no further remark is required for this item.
12h29
